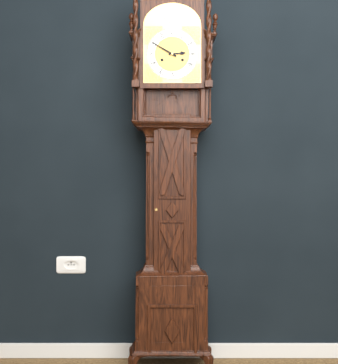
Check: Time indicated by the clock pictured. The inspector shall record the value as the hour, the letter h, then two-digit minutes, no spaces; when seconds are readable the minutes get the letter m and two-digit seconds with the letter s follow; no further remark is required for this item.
2h50
